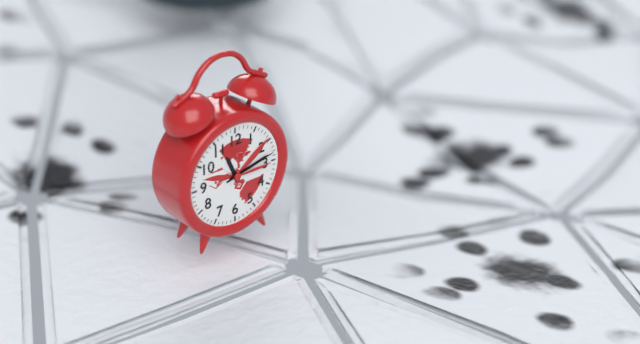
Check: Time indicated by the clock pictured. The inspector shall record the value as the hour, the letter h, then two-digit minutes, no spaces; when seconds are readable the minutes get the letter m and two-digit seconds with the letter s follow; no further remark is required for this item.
11h13m13s
